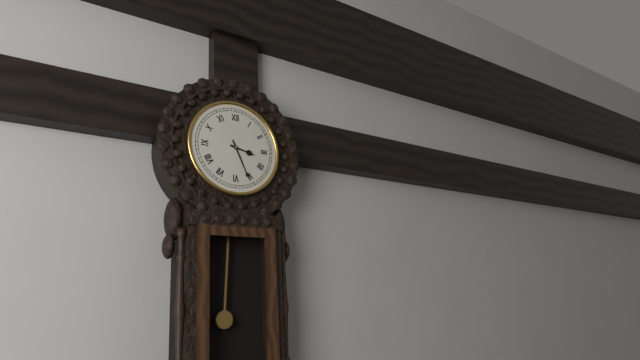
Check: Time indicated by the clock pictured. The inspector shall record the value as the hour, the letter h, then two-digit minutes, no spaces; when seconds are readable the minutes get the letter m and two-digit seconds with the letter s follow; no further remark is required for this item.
3h26
